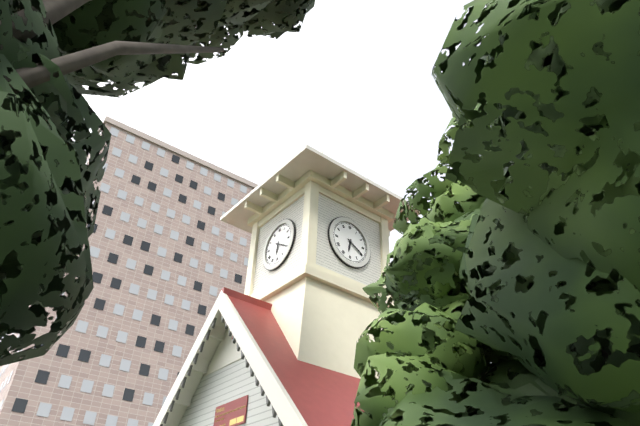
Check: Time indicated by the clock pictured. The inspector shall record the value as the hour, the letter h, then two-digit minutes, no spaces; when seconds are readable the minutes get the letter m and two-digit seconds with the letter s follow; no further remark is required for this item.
6h20
